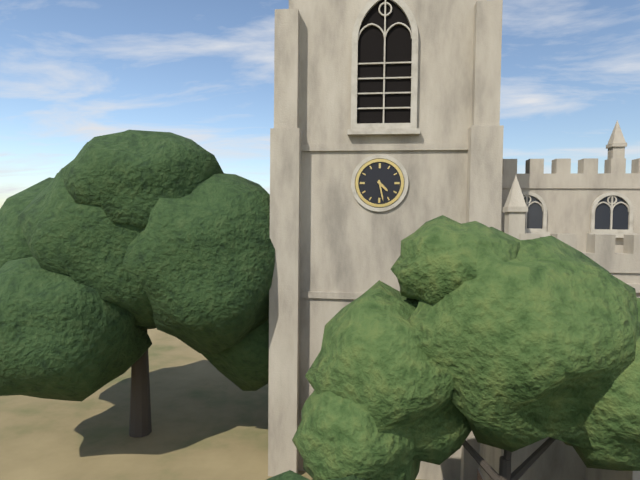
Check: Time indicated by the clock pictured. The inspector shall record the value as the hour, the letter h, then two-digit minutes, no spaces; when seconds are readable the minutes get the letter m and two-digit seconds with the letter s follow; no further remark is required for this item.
4h28
